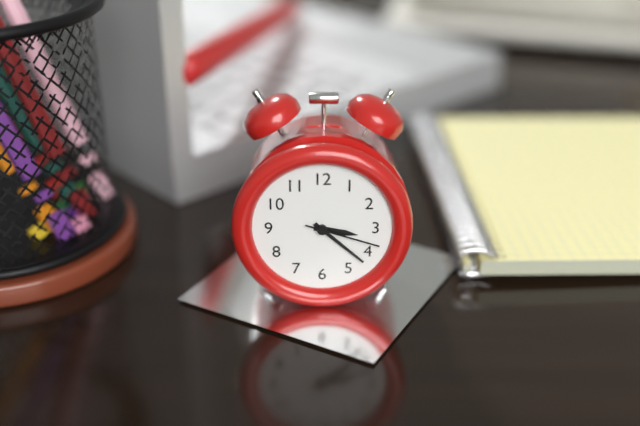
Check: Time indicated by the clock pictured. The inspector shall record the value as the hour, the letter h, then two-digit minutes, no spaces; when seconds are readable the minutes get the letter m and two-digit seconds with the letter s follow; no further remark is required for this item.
3h22m18s
